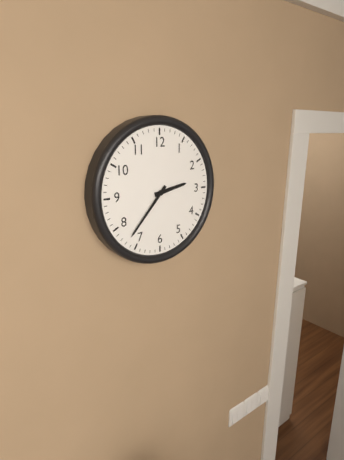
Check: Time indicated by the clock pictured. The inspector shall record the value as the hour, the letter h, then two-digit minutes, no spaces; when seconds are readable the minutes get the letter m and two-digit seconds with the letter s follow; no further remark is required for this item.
2h37
